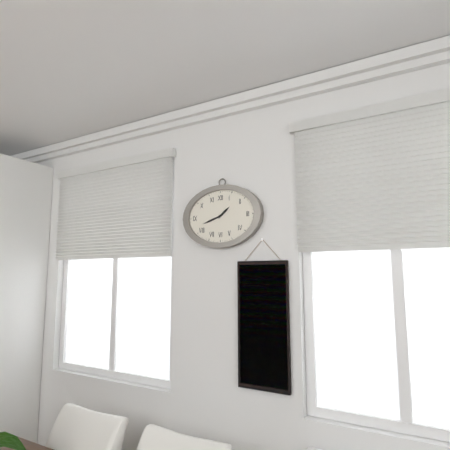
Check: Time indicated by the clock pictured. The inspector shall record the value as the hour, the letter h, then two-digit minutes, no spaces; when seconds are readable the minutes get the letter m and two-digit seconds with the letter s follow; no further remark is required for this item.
1h42
